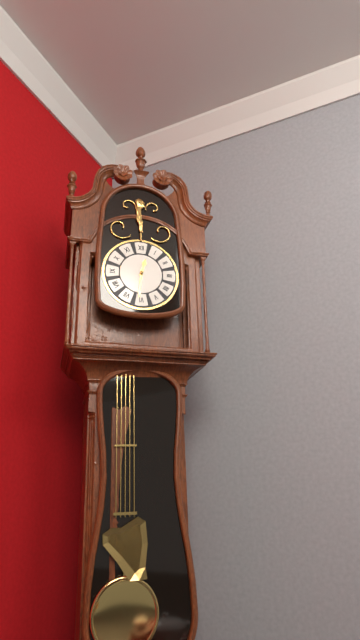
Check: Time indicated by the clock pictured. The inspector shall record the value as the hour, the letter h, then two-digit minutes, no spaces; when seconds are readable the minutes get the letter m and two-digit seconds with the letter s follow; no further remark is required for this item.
12h31
